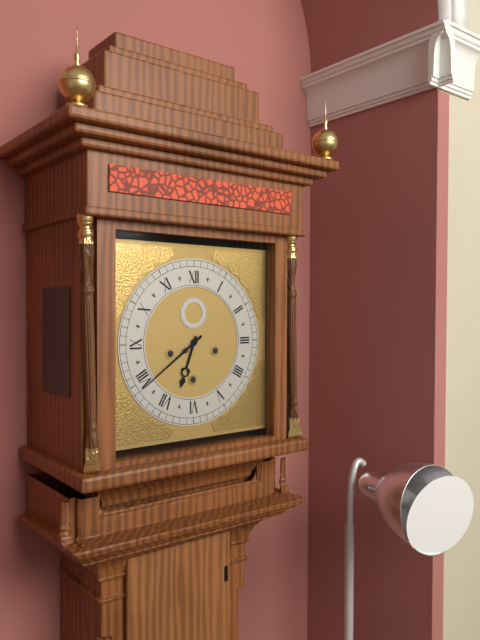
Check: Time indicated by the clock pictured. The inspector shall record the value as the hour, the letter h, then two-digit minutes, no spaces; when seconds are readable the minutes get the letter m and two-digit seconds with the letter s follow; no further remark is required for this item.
6h39
